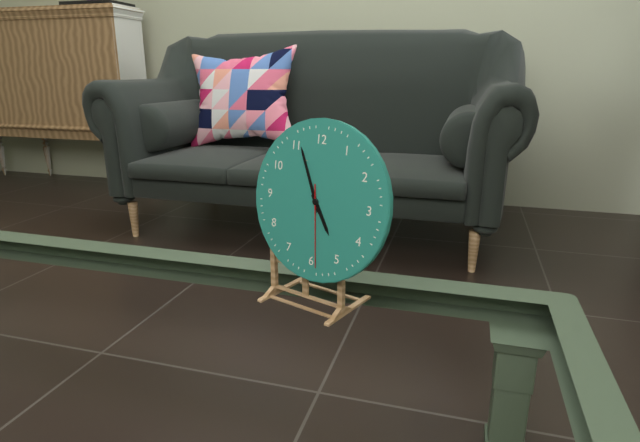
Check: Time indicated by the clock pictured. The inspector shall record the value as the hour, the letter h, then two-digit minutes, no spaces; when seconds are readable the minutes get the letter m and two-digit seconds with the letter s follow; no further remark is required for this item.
4h56m29s
